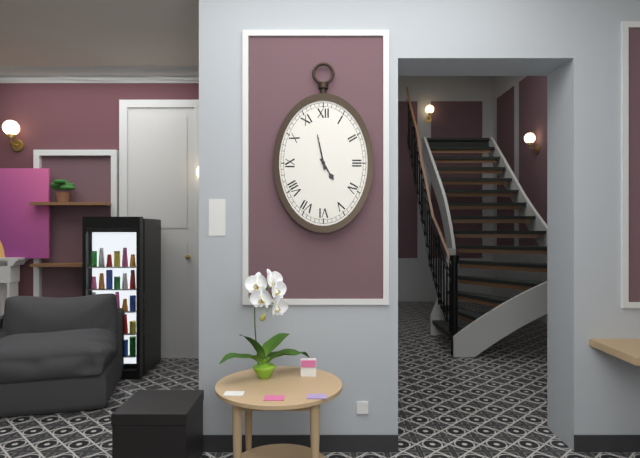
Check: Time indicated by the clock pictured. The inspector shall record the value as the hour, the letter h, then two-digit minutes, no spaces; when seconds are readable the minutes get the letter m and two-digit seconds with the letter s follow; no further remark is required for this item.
4h58
